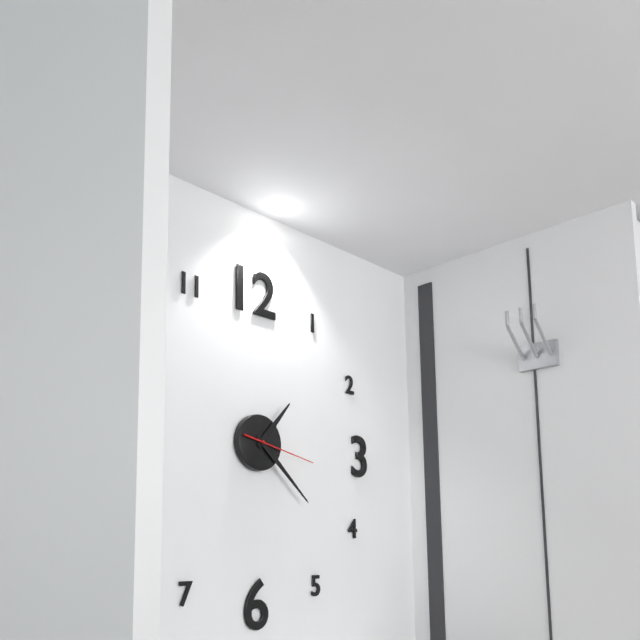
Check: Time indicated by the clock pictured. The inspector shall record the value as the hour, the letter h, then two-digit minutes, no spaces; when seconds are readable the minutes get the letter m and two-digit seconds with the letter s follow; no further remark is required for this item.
1h22m17s
